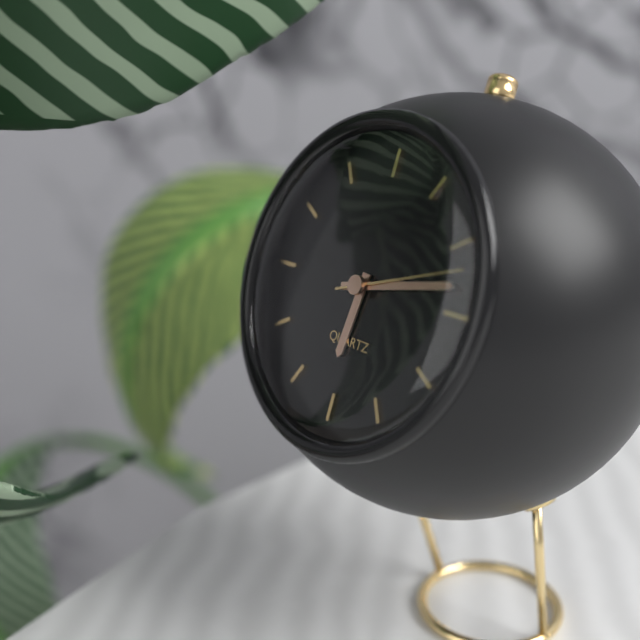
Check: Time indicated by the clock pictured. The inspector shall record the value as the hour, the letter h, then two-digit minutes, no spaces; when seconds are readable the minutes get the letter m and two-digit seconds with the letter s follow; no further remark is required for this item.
6h13m12s
